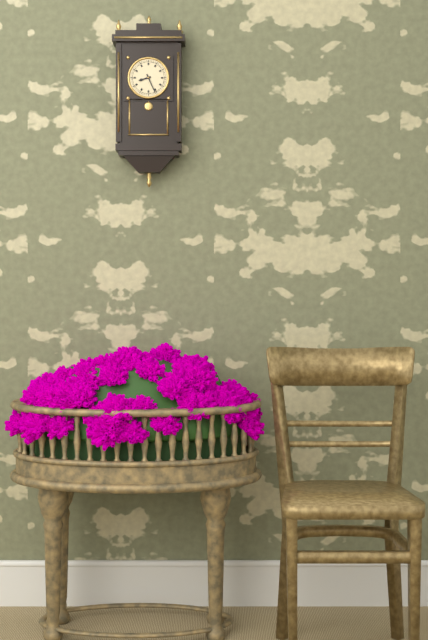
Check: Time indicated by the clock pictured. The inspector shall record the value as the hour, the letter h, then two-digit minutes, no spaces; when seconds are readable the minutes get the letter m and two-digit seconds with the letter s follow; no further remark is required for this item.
8h26
